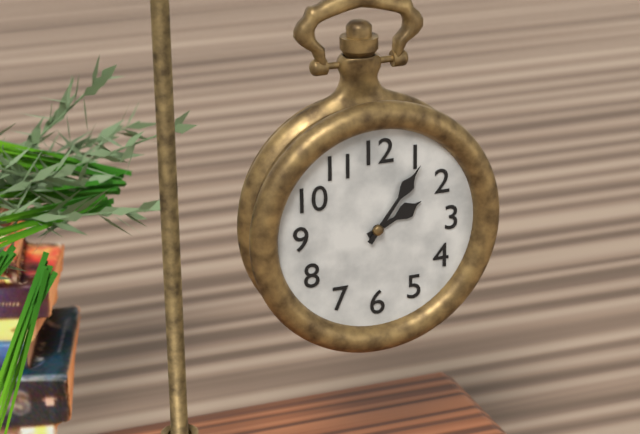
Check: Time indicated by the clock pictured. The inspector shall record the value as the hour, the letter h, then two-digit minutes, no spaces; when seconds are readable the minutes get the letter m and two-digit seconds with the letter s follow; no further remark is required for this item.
2h06
